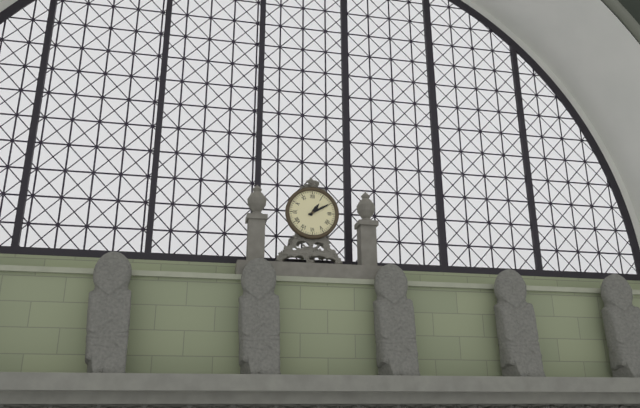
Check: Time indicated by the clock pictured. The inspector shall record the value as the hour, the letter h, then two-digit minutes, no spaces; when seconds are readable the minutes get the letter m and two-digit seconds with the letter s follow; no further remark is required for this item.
1h10
